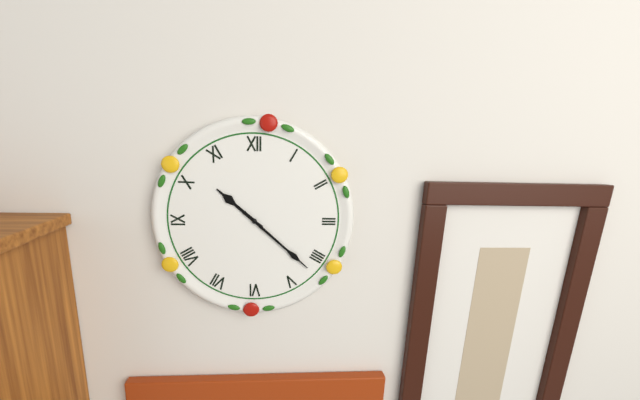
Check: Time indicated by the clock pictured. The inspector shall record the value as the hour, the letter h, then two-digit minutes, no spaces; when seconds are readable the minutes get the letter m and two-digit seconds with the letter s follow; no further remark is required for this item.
10h22
